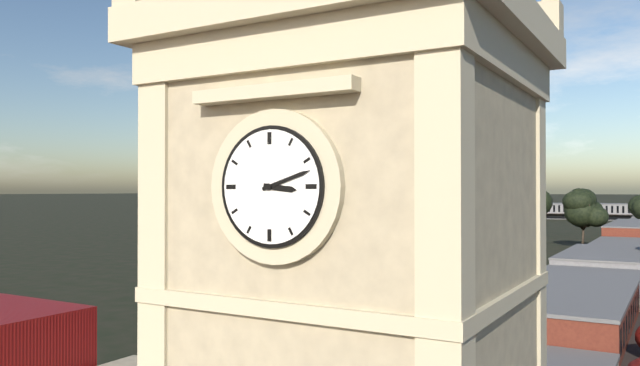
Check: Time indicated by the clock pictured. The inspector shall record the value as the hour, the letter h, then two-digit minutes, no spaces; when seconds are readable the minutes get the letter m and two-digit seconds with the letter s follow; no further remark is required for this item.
3h12
